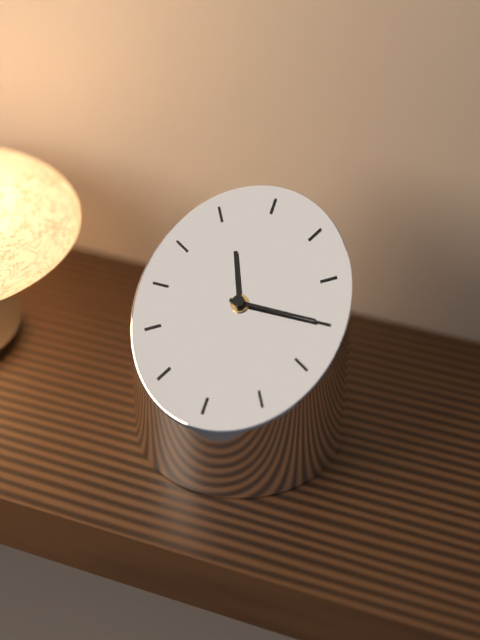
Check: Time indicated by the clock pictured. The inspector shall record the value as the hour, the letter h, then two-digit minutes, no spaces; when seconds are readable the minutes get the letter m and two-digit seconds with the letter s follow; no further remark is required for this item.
11h15
